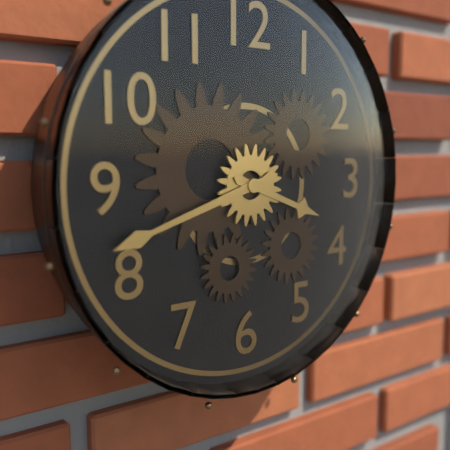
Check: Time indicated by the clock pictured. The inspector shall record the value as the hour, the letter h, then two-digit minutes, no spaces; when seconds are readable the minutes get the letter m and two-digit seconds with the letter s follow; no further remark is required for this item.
3h42
